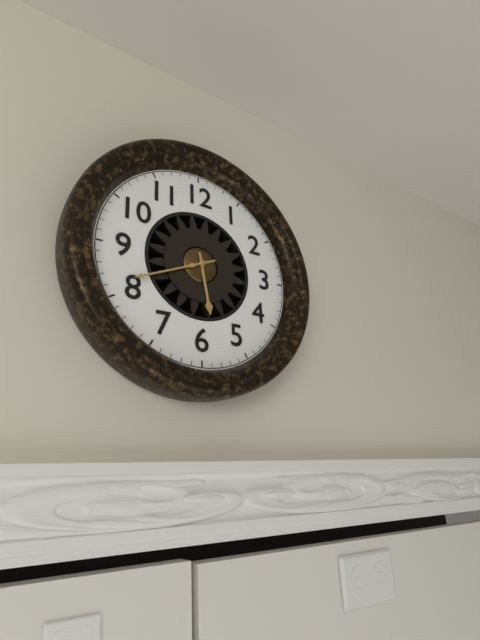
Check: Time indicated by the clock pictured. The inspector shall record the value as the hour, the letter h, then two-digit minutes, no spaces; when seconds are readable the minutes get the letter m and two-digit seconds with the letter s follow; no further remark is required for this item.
5h41
